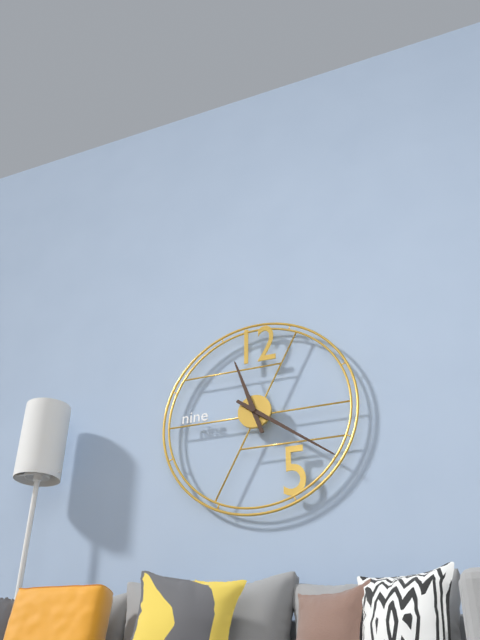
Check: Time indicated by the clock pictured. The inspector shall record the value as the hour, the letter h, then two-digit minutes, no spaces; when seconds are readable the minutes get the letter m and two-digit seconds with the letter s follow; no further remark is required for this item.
11h21
